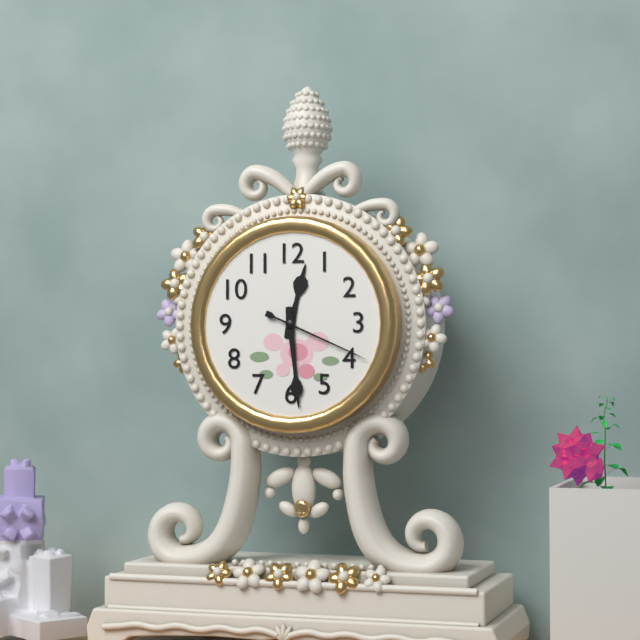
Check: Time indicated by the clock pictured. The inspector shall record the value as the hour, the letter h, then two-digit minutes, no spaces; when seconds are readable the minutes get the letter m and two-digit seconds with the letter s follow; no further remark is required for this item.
12h29m19s
